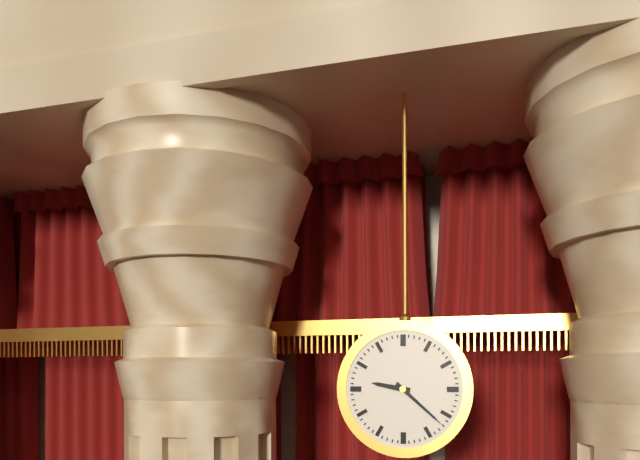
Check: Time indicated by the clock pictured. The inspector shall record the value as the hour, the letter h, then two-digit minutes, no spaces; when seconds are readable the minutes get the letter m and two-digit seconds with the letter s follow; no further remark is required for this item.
9h22
